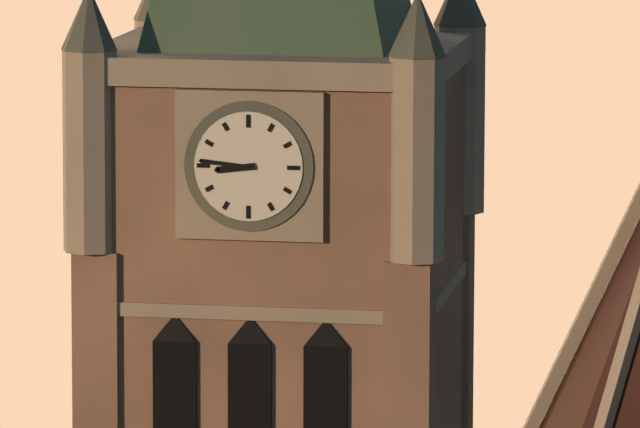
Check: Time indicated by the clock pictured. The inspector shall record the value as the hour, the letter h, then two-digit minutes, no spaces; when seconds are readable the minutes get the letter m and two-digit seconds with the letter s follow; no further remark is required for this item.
8h46
